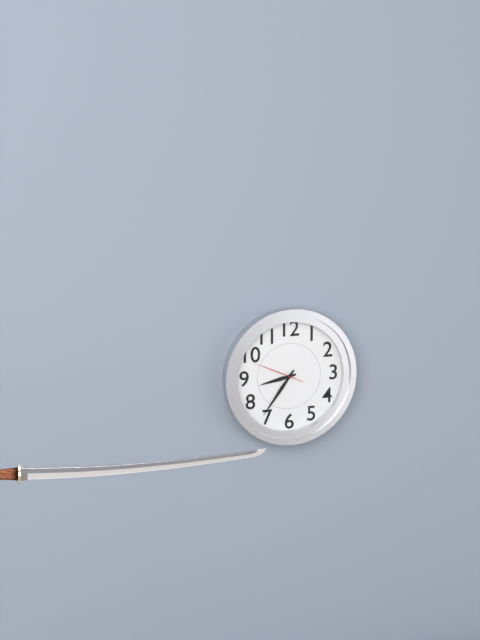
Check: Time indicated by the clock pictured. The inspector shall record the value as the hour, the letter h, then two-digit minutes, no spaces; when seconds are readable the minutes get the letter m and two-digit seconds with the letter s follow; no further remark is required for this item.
8h36m49s
